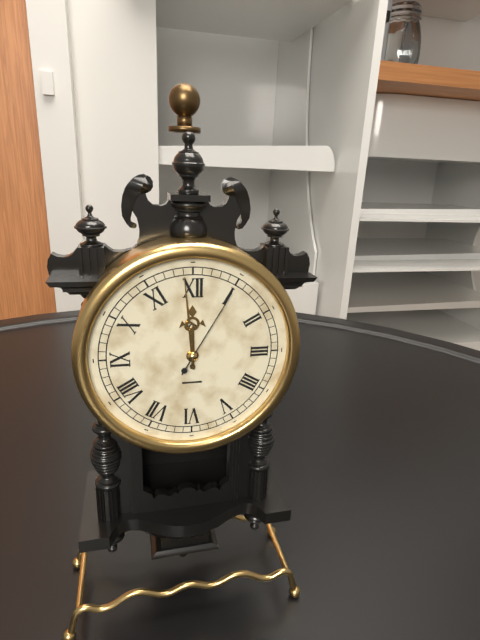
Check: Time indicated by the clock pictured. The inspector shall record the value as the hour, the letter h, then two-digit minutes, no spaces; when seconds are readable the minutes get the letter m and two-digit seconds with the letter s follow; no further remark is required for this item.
11h59m05s
